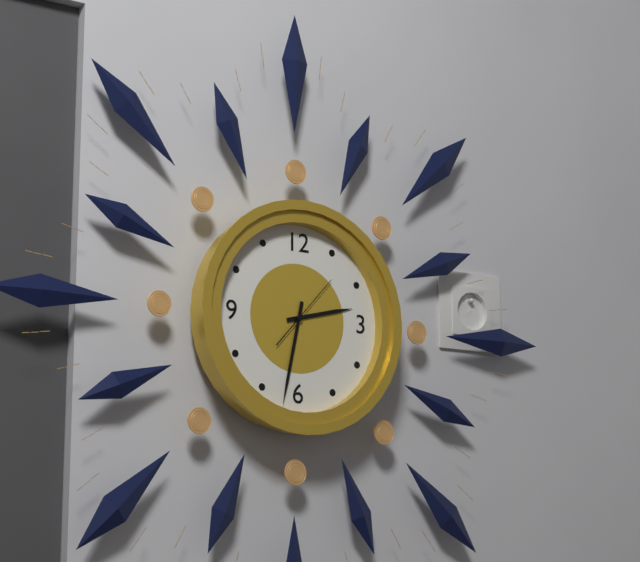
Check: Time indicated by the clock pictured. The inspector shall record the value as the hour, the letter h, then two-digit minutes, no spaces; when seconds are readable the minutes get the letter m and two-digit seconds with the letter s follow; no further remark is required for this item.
2h32m07s
